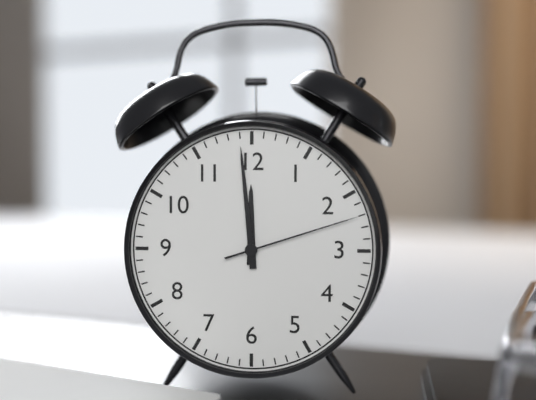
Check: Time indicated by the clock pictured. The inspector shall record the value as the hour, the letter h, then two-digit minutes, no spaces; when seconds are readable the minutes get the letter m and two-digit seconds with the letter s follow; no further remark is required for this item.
11h59m12s
